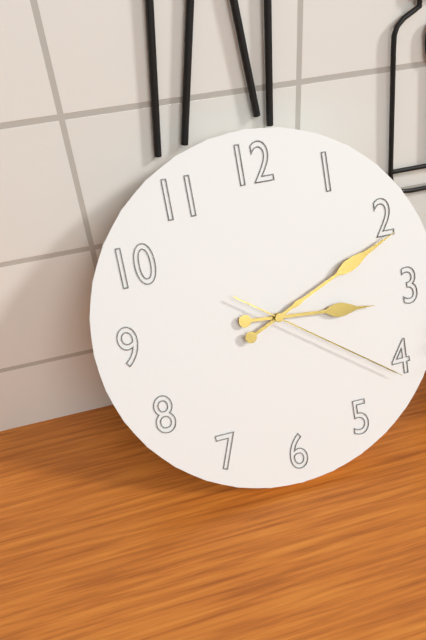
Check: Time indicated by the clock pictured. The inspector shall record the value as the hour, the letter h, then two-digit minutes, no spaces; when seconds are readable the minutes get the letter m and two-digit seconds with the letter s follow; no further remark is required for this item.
3h11m21s
